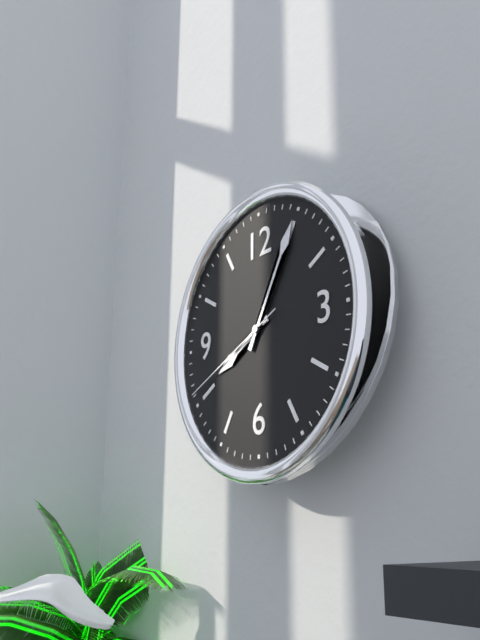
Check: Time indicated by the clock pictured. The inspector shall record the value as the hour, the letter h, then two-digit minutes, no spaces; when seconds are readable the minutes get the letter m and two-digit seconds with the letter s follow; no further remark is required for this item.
8h05m41s
